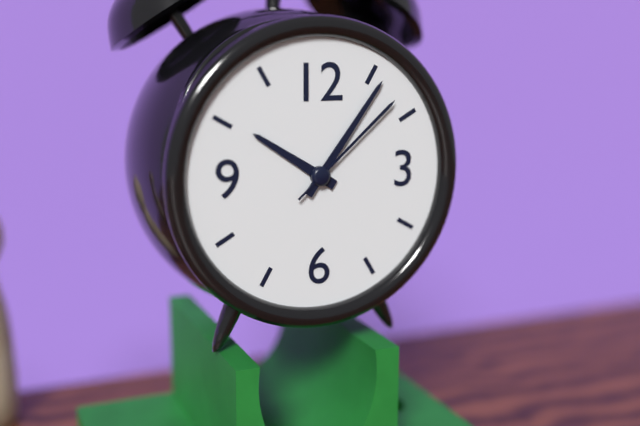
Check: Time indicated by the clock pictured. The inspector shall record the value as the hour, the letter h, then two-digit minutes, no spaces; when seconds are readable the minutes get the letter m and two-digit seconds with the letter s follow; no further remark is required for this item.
10h06m08s
